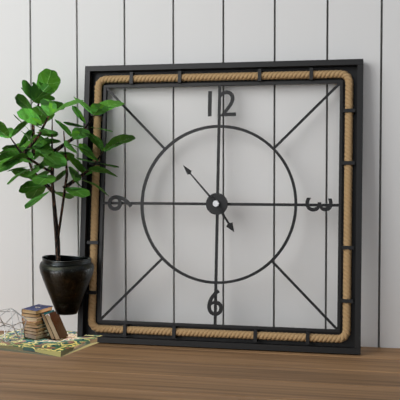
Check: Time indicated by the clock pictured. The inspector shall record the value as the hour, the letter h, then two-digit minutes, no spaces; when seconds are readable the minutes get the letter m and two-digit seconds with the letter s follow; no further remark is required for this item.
4h53
